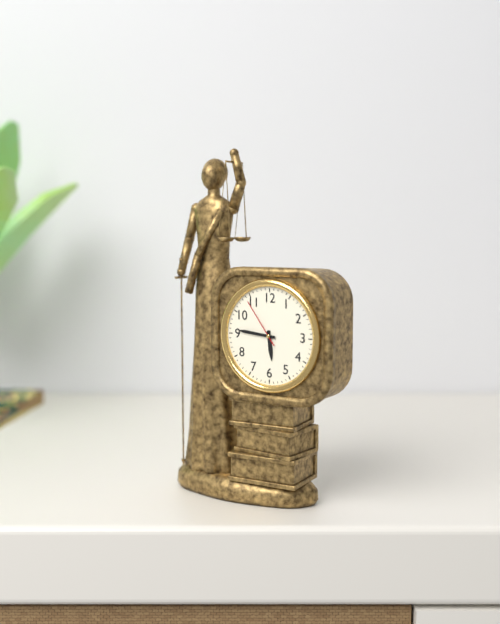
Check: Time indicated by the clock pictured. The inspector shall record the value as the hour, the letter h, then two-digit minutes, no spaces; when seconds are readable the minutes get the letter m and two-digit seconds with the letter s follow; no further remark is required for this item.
5h46m54s
